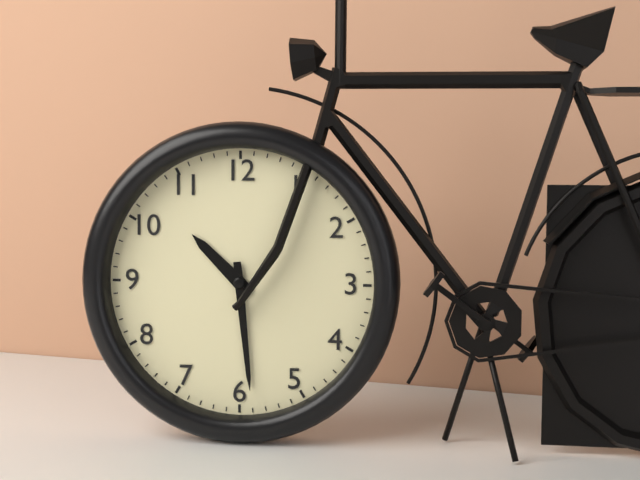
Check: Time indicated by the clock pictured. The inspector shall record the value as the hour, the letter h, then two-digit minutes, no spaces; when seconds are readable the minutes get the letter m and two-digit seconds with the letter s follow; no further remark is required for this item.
10h29
